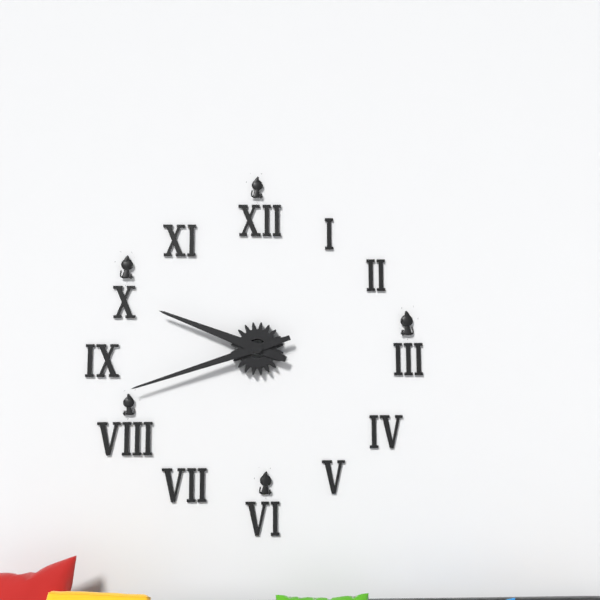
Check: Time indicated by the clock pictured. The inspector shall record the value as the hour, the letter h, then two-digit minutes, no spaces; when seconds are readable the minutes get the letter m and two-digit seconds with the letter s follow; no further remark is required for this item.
9h42
